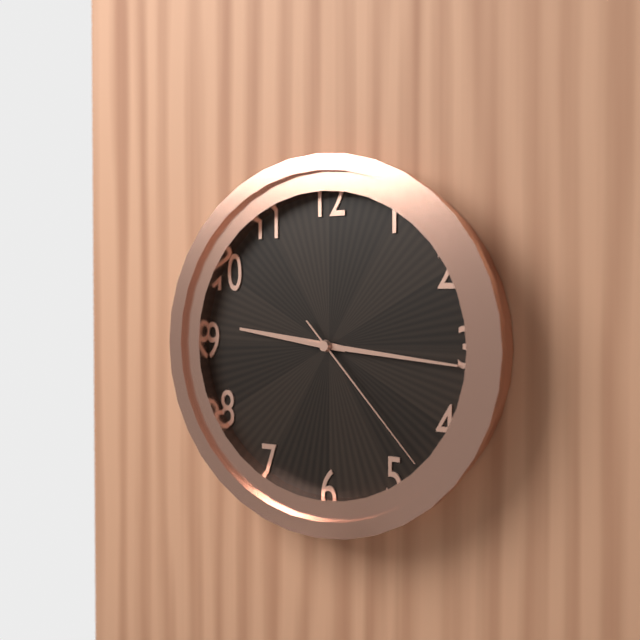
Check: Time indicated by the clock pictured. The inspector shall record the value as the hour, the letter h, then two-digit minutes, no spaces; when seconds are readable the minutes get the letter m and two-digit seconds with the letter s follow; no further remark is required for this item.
9h16m23s
